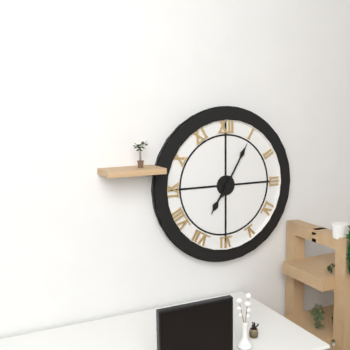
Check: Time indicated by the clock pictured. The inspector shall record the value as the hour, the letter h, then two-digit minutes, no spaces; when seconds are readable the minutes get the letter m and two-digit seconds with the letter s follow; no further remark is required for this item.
7h05
